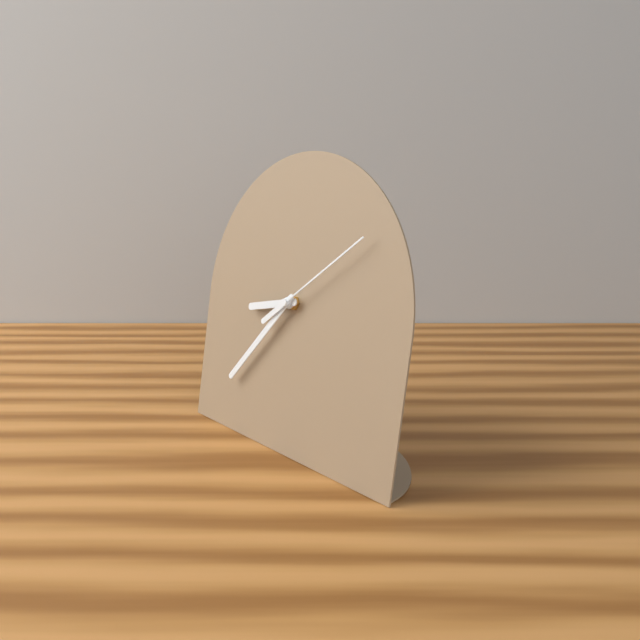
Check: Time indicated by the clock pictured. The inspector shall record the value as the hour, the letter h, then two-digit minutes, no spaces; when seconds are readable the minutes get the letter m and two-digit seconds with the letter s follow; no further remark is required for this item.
8h37m09s
